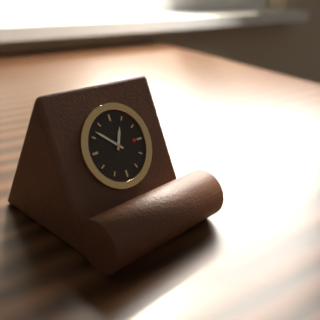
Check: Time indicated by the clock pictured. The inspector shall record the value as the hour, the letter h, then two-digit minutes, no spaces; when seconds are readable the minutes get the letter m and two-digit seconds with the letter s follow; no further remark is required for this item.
12h52
